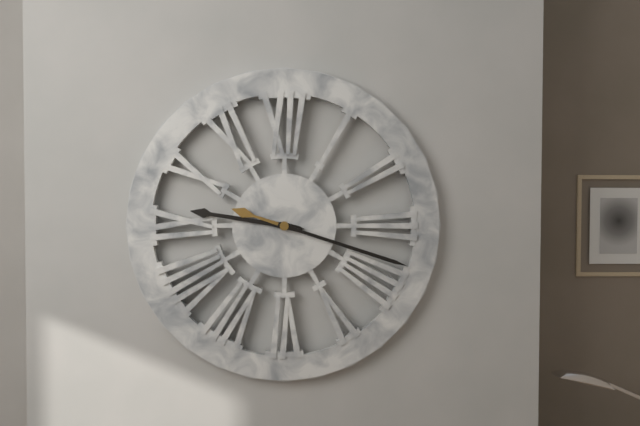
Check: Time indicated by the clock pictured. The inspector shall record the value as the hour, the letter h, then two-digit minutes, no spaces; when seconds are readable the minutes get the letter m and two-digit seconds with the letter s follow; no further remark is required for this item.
9h18
